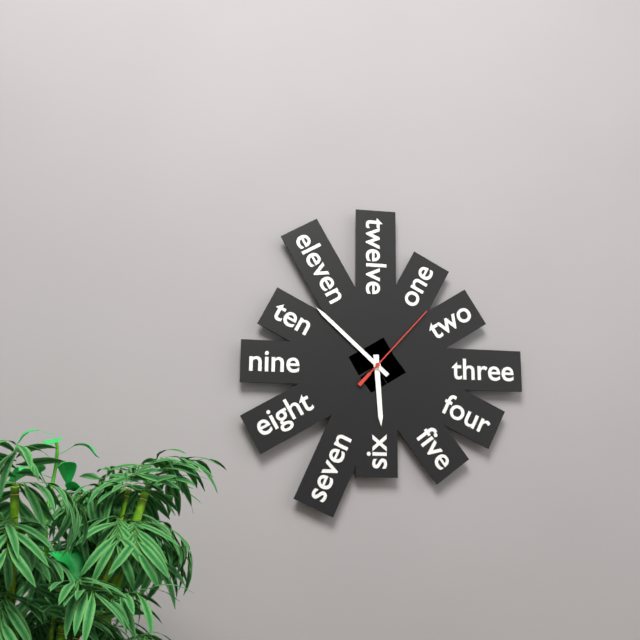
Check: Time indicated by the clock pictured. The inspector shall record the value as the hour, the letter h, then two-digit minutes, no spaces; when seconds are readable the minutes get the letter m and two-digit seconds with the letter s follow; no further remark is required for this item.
5h52m07s
